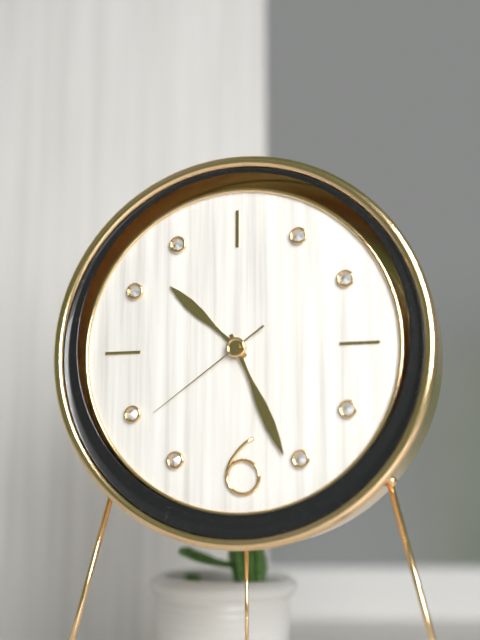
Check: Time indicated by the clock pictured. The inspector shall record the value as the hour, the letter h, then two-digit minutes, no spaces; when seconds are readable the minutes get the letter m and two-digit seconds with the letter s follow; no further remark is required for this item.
10h26m39s
